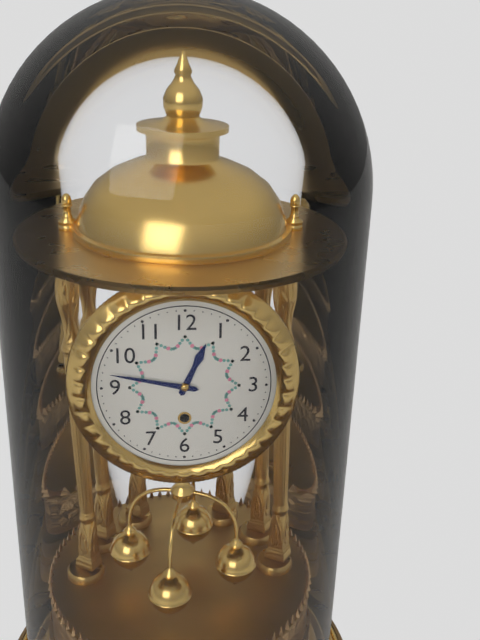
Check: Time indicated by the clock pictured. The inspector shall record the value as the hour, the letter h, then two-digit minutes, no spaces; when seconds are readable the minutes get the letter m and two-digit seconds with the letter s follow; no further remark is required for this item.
12h47
